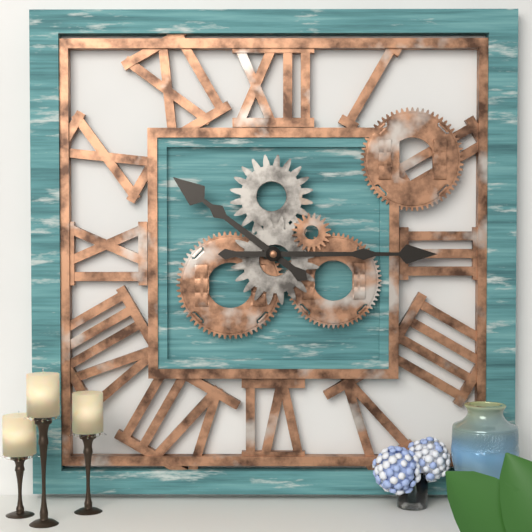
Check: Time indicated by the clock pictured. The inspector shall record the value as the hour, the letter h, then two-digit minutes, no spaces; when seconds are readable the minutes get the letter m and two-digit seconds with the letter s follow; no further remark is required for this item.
10h15
